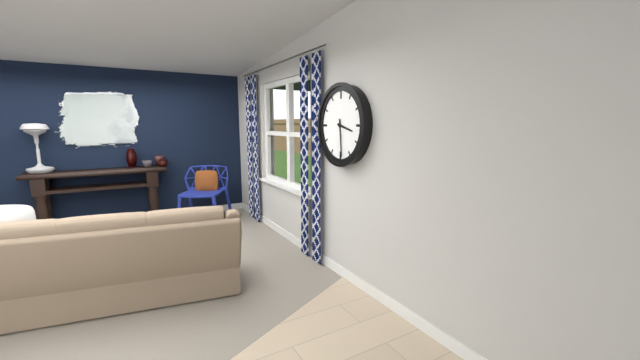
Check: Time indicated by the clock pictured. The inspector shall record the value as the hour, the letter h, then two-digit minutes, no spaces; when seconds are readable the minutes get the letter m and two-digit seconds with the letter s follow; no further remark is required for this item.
3h29
